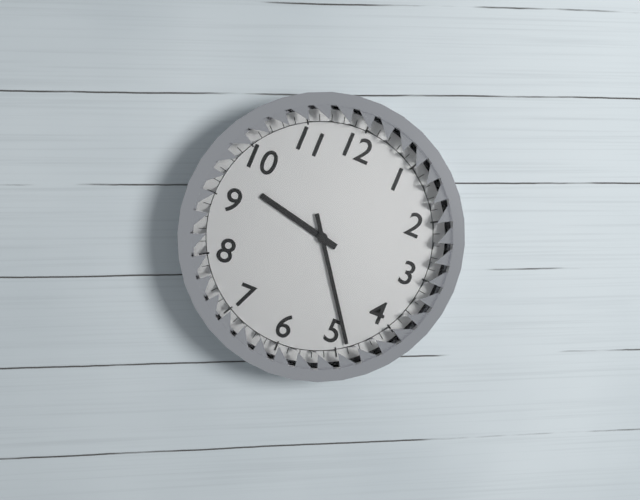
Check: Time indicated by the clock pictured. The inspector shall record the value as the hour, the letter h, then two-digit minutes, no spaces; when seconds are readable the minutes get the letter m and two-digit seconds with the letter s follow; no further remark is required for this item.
9h24
